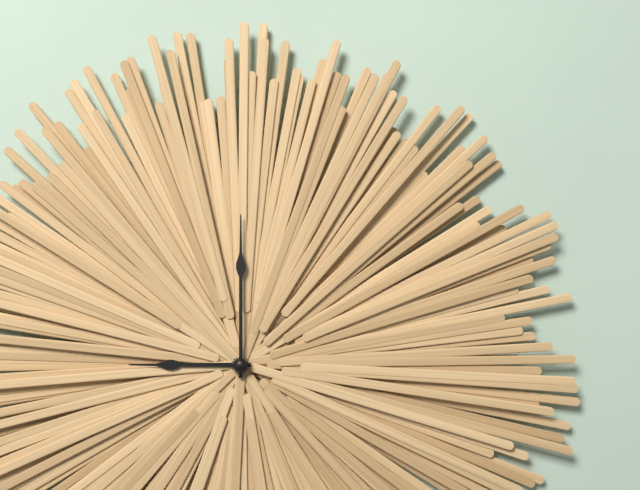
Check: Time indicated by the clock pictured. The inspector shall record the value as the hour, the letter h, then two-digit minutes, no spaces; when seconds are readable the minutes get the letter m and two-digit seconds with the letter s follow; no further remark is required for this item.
9h00
